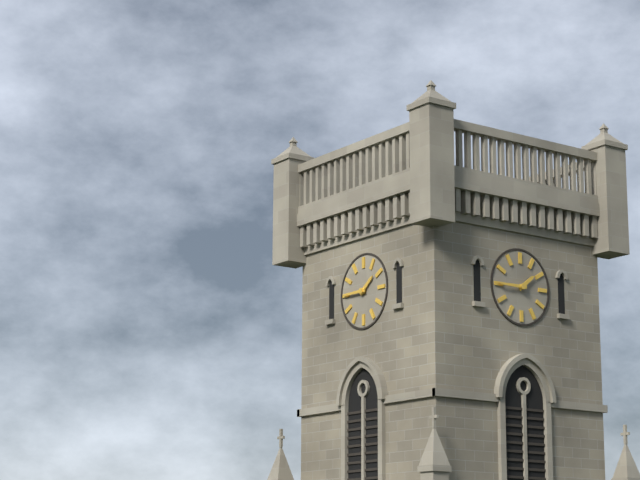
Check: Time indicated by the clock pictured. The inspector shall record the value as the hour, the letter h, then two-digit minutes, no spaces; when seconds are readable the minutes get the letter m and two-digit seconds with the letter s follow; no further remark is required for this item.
1h45
